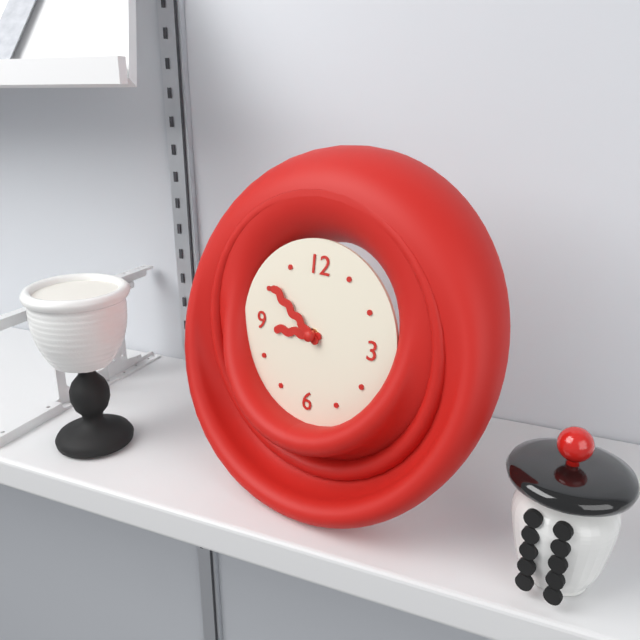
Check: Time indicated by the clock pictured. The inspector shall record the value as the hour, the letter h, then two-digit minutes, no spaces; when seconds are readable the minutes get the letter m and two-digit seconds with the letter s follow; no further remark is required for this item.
8h51
